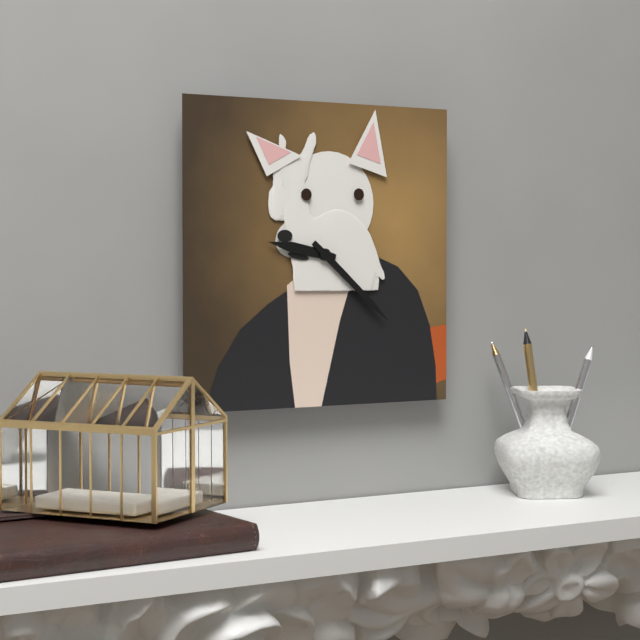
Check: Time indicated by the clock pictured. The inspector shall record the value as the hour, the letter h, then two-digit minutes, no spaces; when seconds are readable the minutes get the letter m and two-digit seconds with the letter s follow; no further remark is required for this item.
9h22
